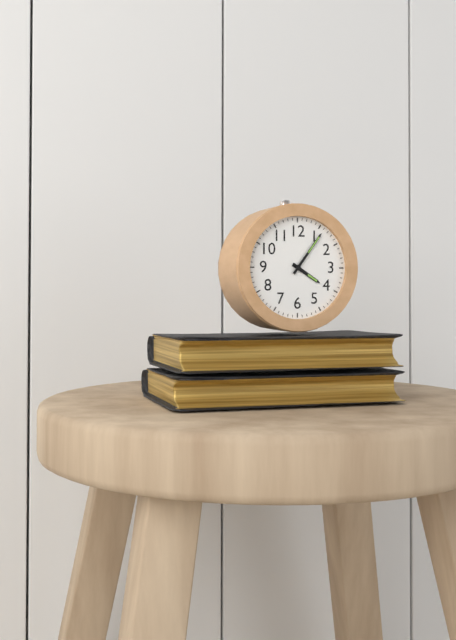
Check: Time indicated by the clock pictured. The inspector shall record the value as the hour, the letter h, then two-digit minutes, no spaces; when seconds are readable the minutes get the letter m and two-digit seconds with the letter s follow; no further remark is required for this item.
4h06
